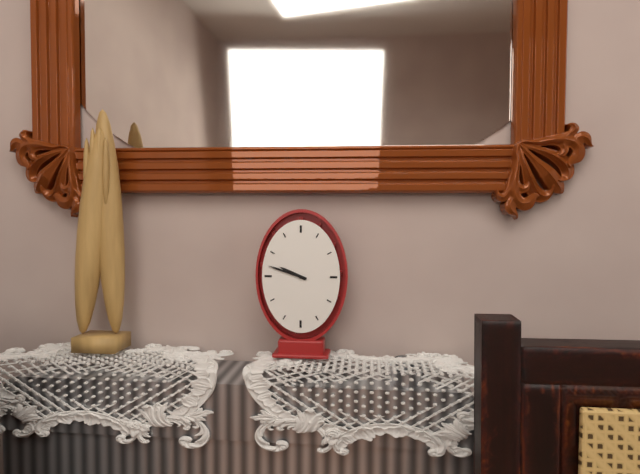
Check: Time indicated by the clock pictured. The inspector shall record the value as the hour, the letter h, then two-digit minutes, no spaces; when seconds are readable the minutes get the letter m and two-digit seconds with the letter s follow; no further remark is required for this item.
9h48
